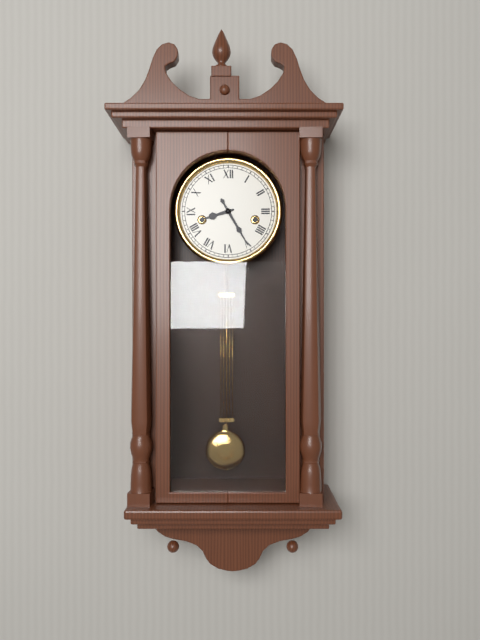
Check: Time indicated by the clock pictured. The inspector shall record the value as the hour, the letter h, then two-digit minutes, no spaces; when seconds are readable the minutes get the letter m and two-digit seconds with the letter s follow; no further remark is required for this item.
8h25
